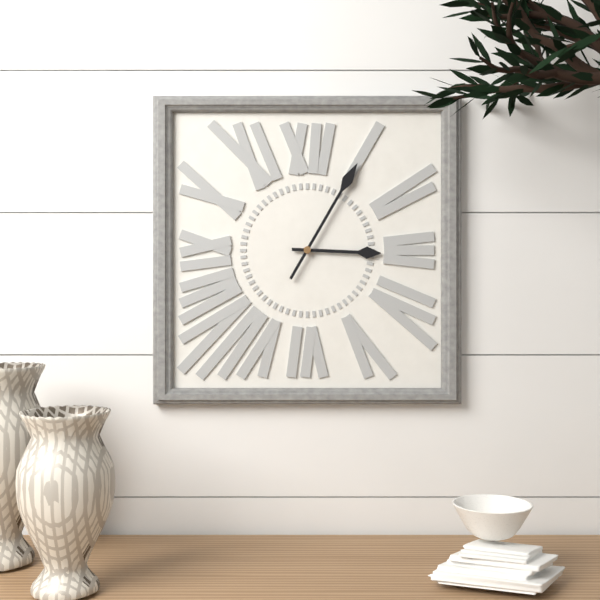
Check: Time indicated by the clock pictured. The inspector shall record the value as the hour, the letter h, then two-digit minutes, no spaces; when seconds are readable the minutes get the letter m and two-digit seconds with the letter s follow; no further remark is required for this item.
3h05
